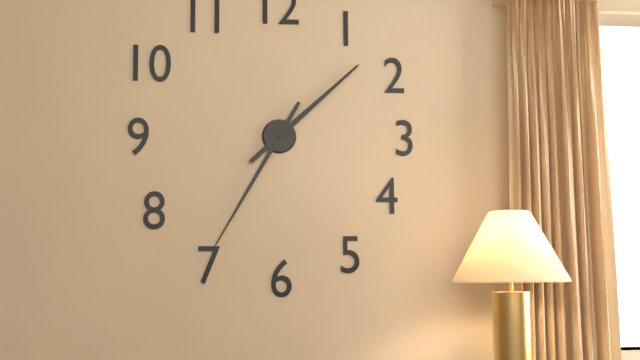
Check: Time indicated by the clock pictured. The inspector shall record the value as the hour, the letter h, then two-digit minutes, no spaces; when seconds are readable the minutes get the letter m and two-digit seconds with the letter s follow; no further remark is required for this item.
1h35
